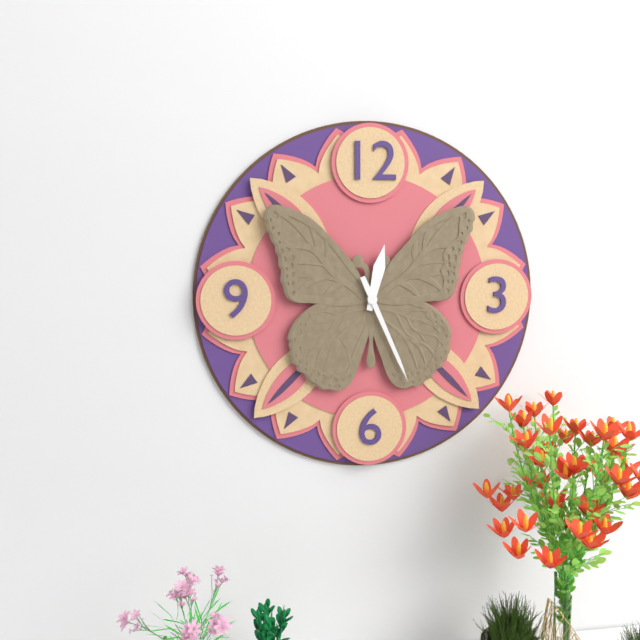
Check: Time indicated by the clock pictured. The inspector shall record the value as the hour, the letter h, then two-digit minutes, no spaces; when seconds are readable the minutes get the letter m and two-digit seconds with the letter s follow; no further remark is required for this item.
12h26
